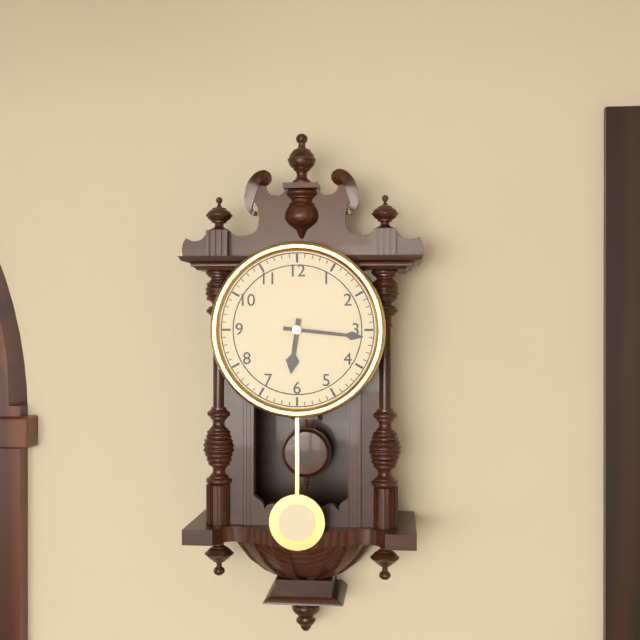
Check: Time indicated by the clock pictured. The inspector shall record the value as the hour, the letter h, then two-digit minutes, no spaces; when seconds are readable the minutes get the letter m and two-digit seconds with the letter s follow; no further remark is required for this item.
6h16
